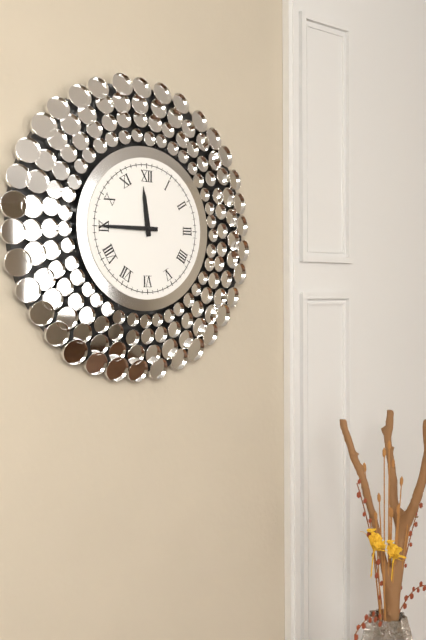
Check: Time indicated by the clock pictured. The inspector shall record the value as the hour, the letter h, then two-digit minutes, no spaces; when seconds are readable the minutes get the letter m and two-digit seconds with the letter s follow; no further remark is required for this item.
11h45
